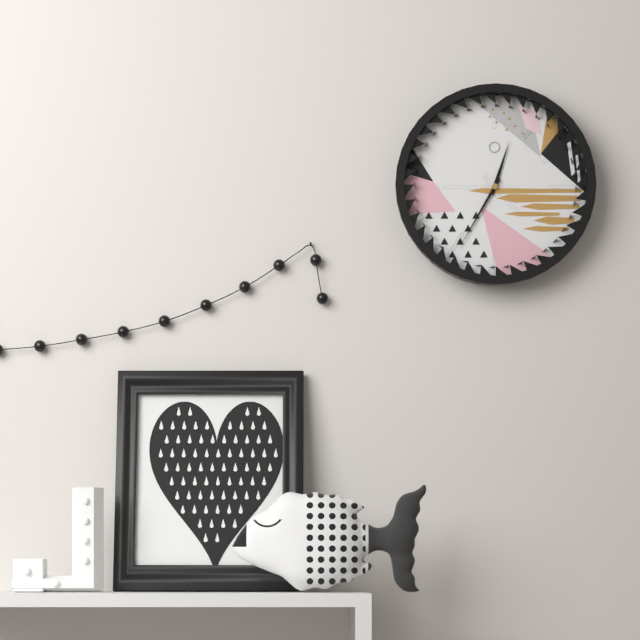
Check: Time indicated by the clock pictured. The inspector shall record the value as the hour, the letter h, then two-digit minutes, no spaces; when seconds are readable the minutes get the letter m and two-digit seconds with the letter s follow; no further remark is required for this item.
12h35
